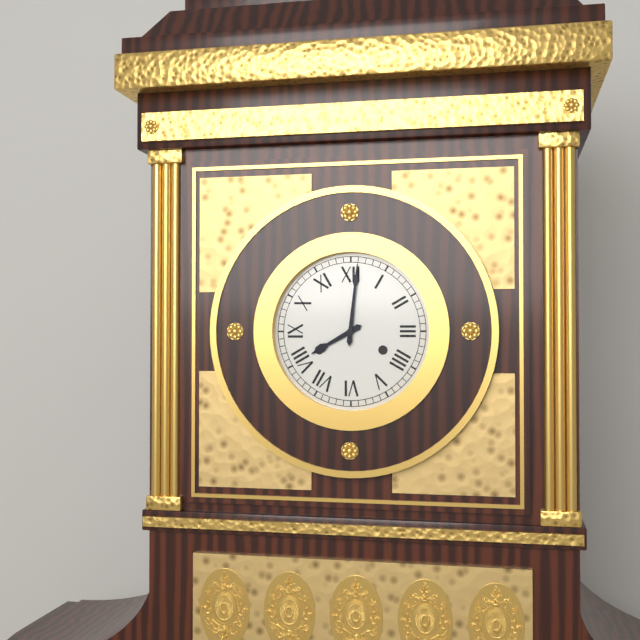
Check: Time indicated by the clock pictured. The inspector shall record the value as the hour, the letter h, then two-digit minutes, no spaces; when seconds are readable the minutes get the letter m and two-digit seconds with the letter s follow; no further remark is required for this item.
8h01
